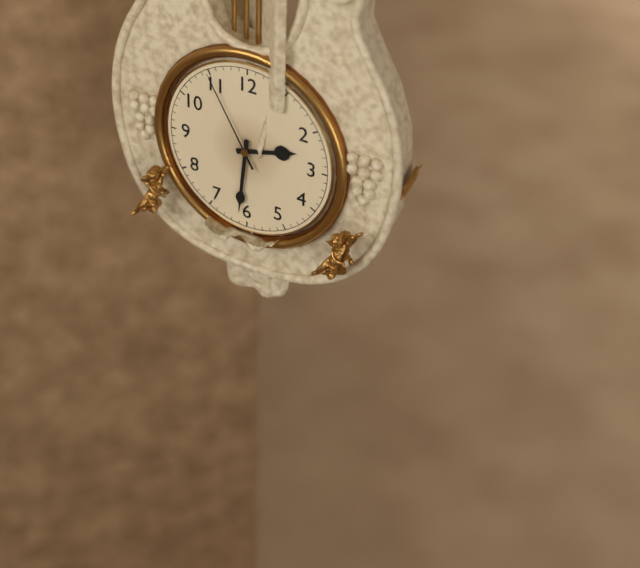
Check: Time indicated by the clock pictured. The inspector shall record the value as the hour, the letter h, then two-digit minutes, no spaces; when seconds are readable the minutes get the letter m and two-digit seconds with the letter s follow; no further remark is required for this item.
2h31m55s
